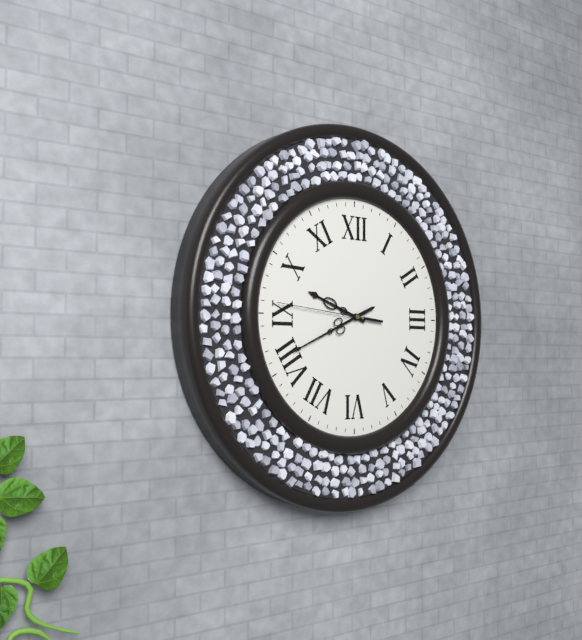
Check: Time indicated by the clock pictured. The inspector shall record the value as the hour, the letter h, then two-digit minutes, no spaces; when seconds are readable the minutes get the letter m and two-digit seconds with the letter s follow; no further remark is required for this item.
9h41m46s
